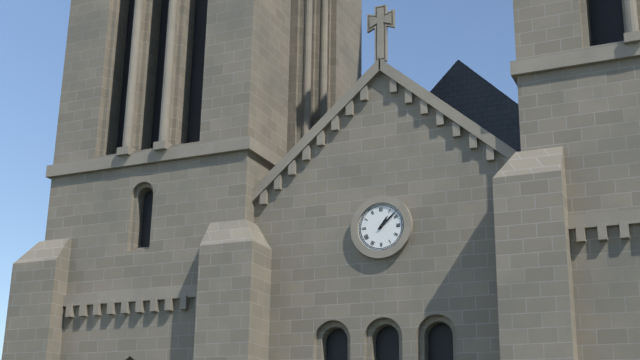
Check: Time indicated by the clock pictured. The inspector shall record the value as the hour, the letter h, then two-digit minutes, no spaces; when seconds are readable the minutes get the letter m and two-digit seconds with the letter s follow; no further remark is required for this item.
1h08
